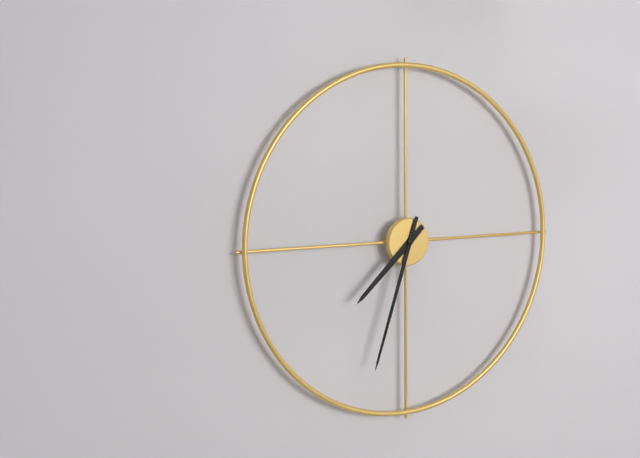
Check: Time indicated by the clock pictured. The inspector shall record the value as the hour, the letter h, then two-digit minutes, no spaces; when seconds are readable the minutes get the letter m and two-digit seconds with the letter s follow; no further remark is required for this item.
7h33
